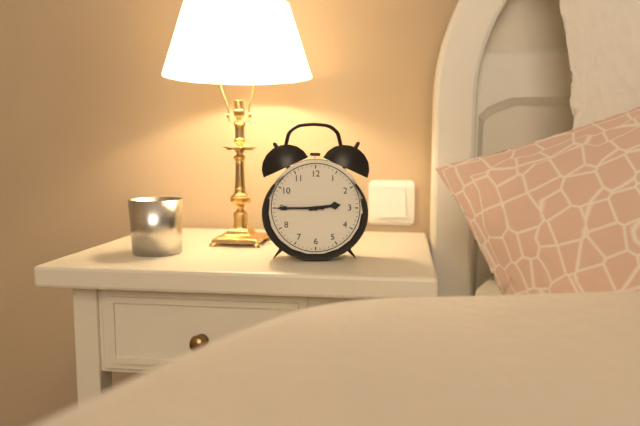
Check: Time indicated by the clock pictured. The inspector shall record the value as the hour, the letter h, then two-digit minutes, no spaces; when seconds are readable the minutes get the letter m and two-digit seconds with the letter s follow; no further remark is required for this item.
2h45
